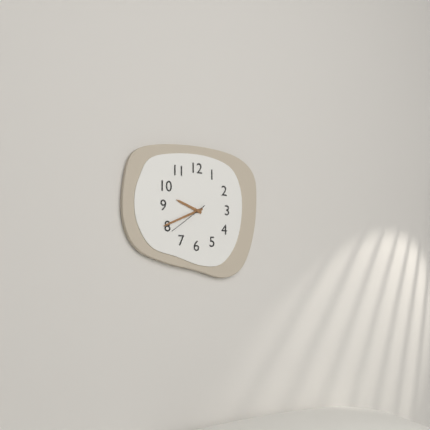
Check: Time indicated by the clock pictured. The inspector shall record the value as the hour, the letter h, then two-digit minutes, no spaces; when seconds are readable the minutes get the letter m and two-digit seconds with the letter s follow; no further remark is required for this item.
9h41
